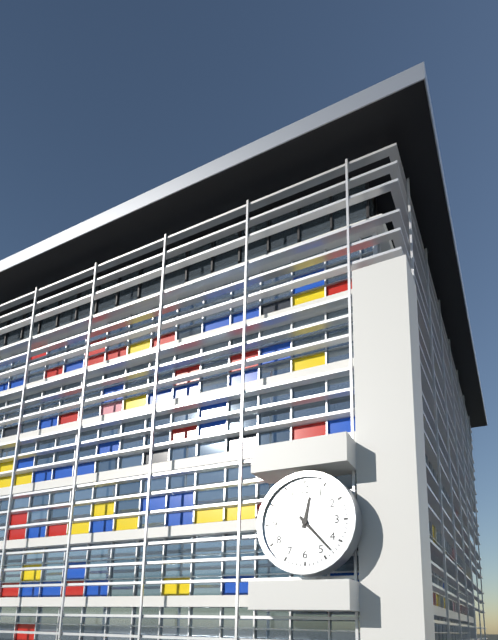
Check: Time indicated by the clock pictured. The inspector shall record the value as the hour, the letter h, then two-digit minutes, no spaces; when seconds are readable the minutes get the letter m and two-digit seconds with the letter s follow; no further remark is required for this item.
12h23
